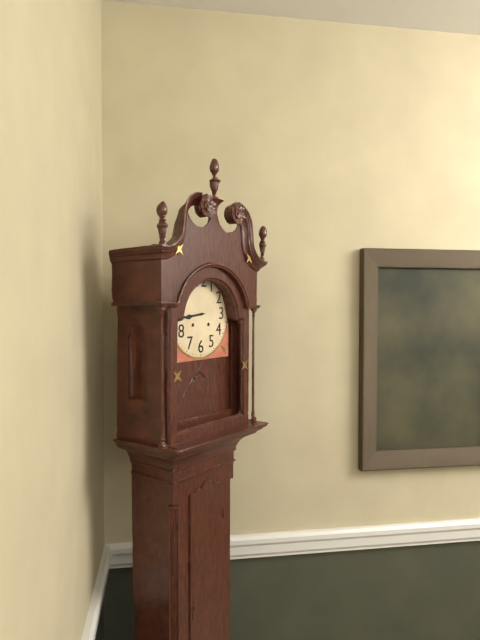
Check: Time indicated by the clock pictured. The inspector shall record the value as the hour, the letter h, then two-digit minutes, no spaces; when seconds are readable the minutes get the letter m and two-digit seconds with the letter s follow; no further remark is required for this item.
8h44
